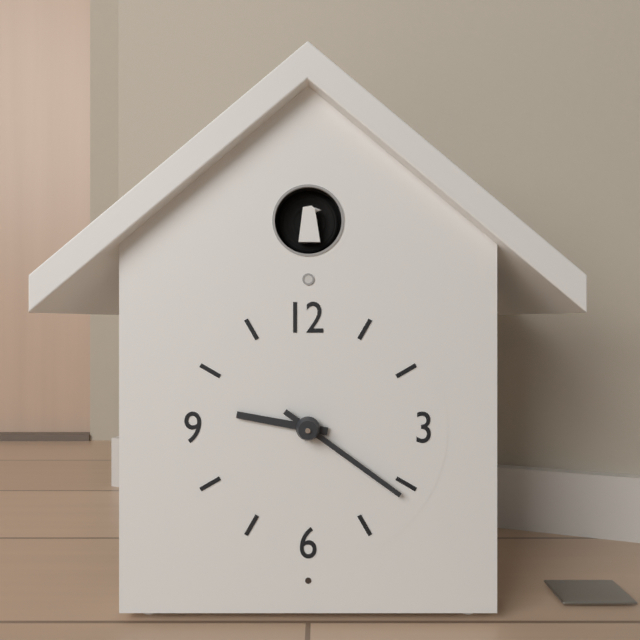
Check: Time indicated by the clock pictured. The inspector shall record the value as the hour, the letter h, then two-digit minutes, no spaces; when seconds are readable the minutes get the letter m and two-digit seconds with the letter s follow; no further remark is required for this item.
9h21
